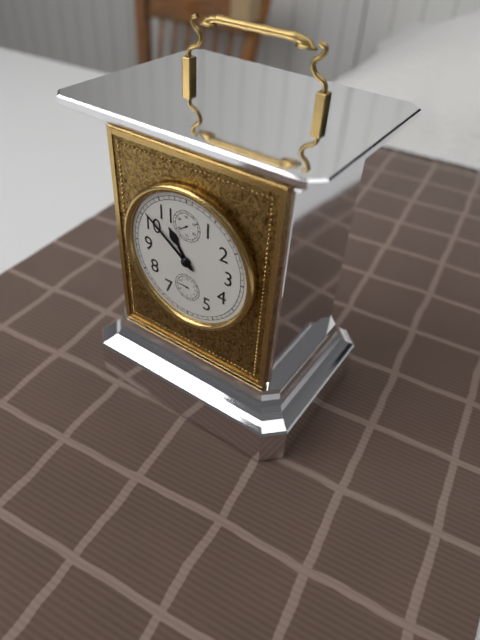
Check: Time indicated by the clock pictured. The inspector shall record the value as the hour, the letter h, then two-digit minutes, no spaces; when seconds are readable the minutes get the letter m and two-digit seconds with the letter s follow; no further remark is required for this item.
10h51
